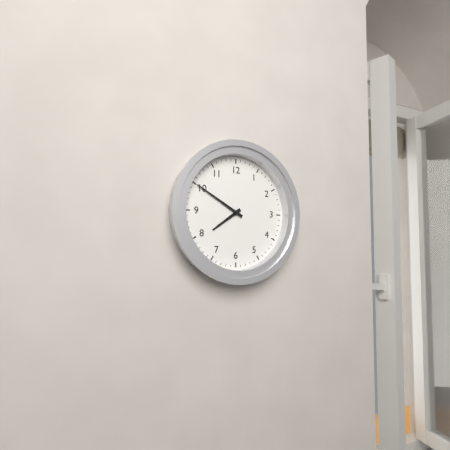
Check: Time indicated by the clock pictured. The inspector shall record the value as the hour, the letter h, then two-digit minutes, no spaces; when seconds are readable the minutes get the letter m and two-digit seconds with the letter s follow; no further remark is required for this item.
7h50
